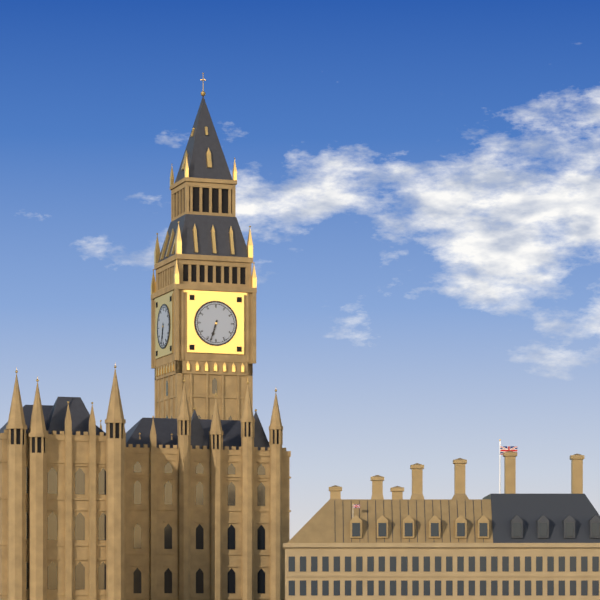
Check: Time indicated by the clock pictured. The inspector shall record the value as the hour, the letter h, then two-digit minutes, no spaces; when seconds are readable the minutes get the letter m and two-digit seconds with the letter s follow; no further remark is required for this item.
6h33
